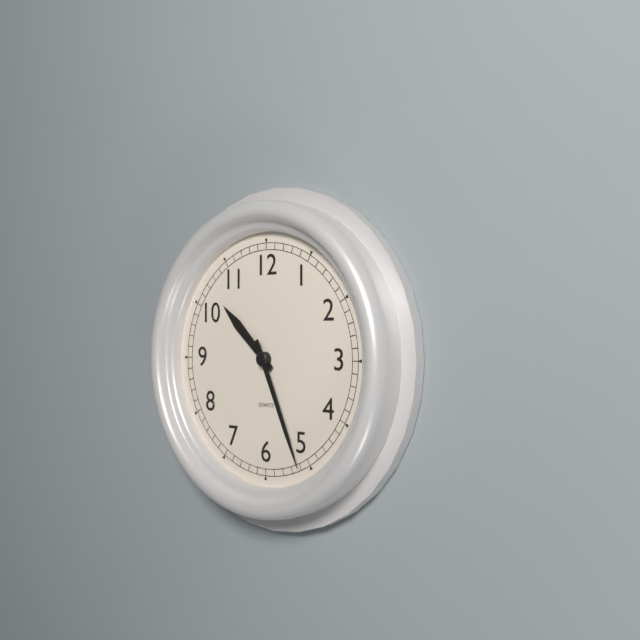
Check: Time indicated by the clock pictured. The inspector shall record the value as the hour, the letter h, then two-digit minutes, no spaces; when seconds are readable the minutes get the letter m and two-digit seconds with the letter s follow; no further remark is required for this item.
10h26
